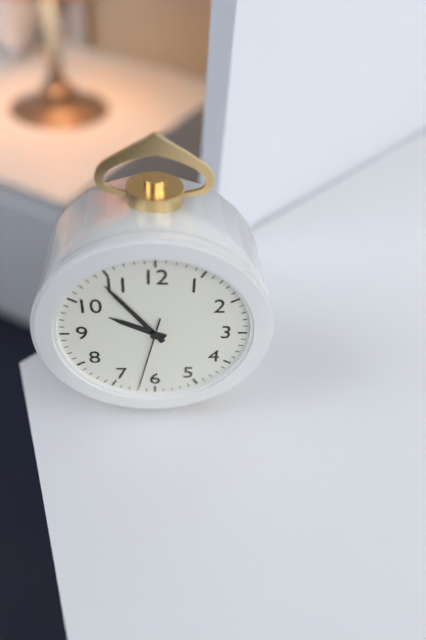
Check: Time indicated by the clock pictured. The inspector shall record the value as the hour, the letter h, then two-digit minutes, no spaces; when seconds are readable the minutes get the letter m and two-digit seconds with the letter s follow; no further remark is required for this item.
9h54m32s
